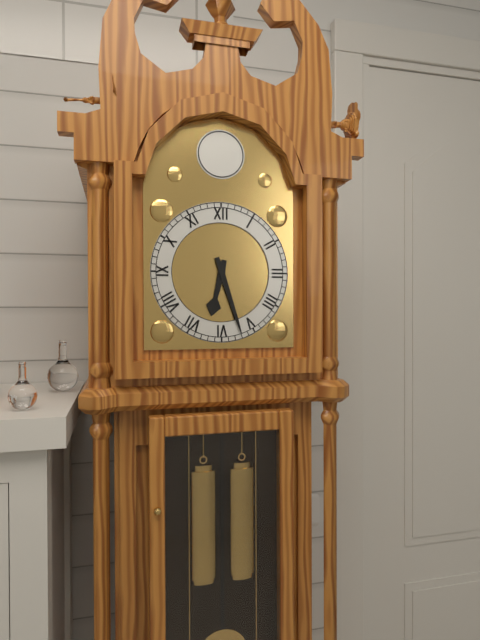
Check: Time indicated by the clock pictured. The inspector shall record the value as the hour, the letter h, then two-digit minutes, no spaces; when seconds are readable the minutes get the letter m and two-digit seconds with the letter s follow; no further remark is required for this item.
6h27
